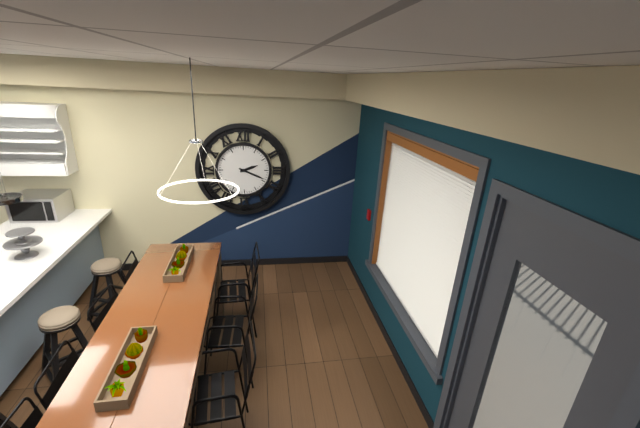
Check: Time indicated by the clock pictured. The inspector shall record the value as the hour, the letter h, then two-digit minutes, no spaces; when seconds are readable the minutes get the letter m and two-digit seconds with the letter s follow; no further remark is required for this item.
2h19
